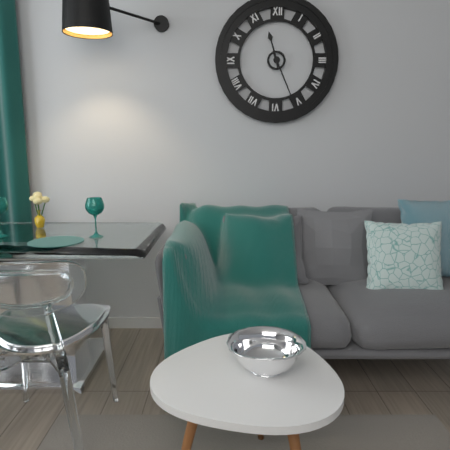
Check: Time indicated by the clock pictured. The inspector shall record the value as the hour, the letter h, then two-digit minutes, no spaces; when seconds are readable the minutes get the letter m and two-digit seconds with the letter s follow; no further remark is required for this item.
11h26
